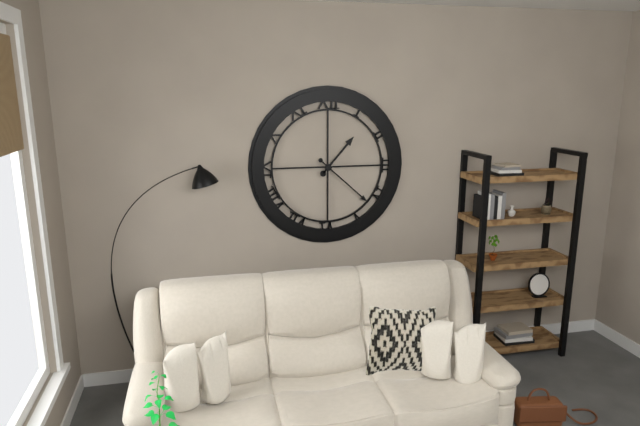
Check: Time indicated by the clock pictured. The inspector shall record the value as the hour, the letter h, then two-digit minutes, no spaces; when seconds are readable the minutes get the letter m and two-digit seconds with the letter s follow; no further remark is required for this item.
1h22
